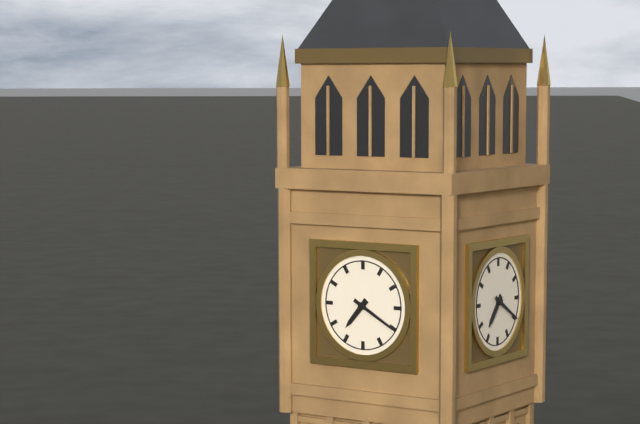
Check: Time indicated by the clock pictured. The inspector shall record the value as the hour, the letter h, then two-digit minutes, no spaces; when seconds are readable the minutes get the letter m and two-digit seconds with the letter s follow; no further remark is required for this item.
7h20
